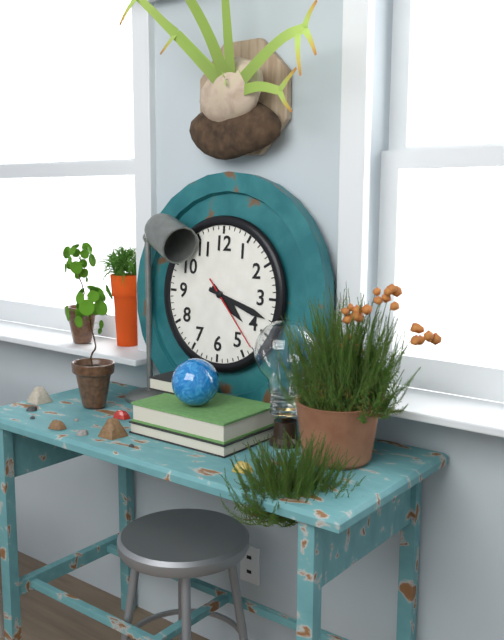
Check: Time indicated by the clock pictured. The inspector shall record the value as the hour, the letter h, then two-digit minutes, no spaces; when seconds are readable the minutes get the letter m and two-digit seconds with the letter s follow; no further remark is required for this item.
4h18m23s
